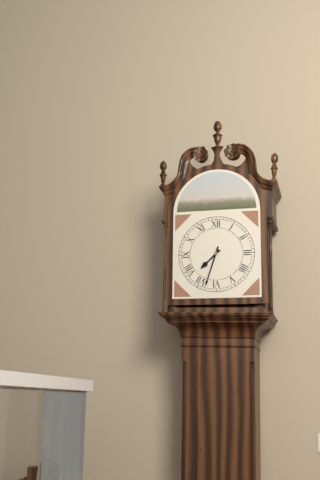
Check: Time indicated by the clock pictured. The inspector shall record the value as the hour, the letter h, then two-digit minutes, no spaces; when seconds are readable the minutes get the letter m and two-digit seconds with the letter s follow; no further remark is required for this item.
7h33
